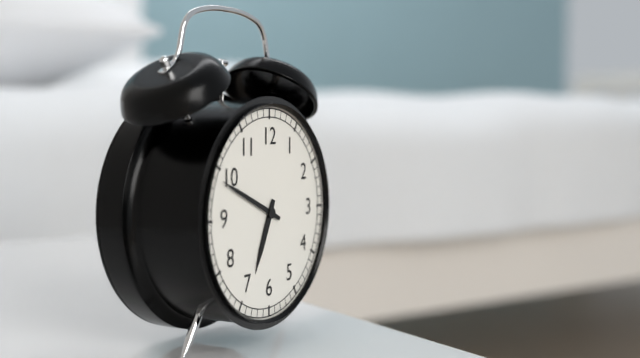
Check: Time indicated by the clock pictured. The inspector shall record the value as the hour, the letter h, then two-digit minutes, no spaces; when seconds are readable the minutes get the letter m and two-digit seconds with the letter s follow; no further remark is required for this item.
6h49
